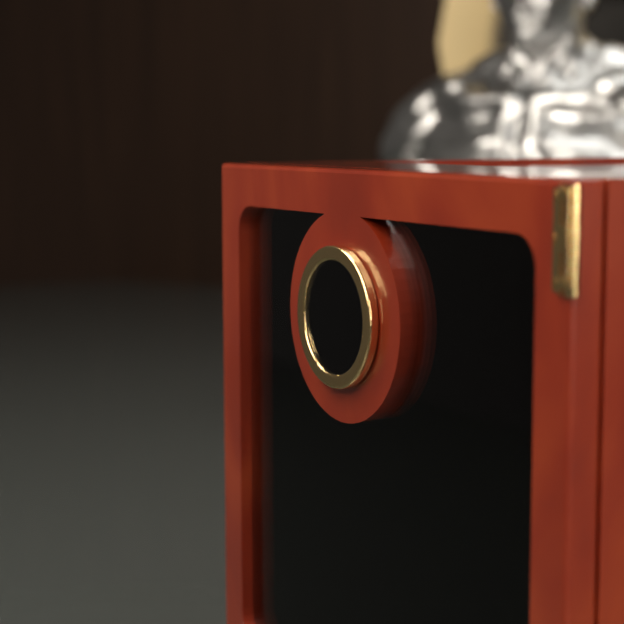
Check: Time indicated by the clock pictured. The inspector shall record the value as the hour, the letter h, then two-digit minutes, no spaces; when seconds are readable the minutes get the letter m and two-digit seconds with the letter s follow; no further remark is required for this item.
10h13
